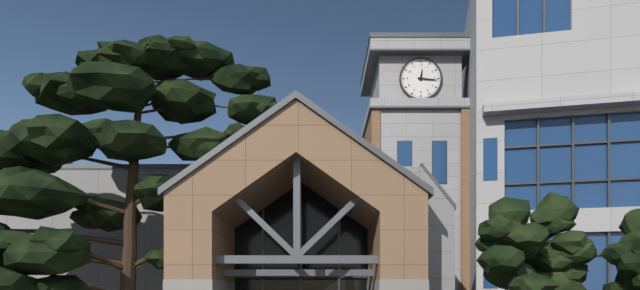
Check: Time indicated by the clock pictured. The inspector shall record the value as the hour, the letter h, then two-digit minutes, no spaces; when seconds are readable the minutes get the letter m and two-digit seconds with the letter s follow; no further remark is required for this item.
12h16
